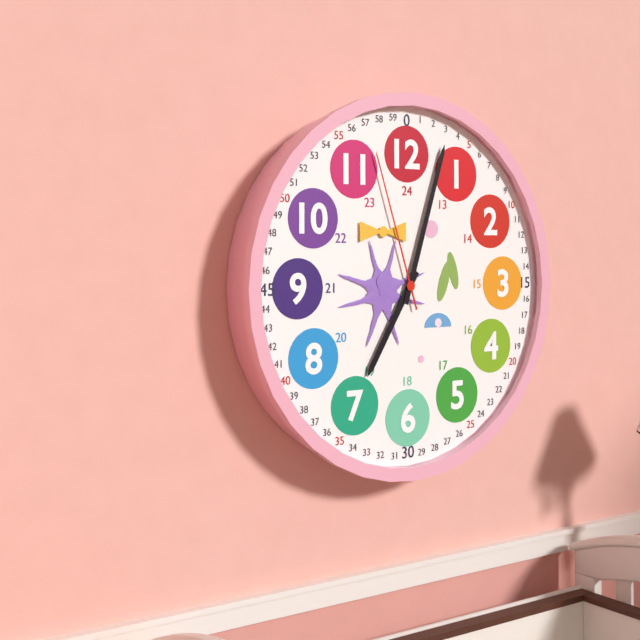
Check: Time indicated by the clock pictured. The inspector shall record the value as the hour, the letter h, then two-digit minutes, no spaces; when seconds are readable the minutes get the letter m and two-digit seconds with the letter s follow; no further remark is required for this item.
7h03m57s
